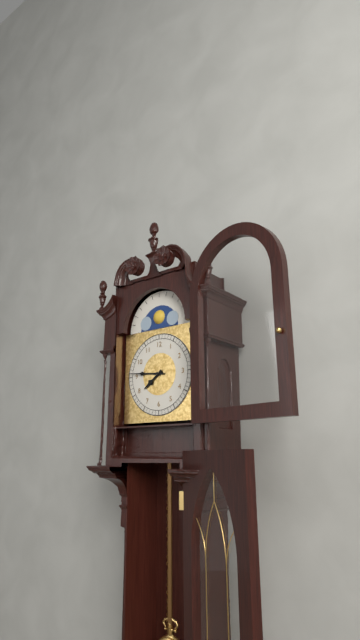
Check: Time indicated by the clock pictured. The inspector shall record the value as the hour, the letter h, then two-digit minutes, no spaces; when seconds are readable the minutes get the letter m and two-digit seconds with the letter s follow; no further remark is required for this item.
7h46
